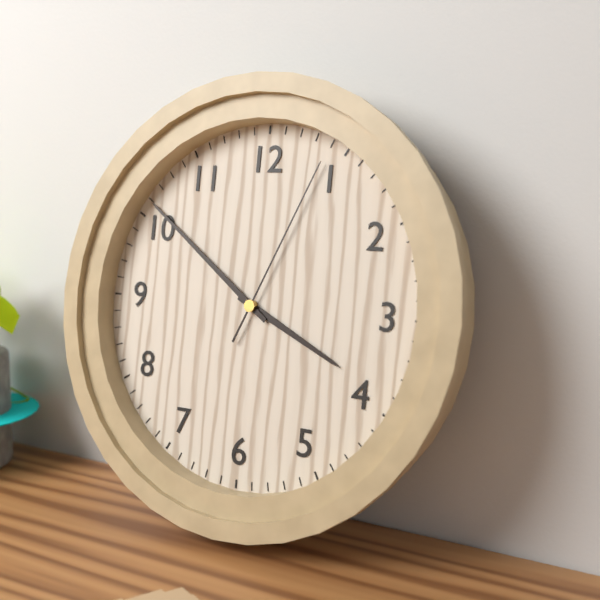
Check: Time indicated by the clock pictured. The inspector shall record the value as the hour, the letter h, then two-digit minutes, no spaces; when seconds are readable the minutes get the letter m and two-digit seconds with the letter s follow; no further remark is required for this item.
3h51m04s
